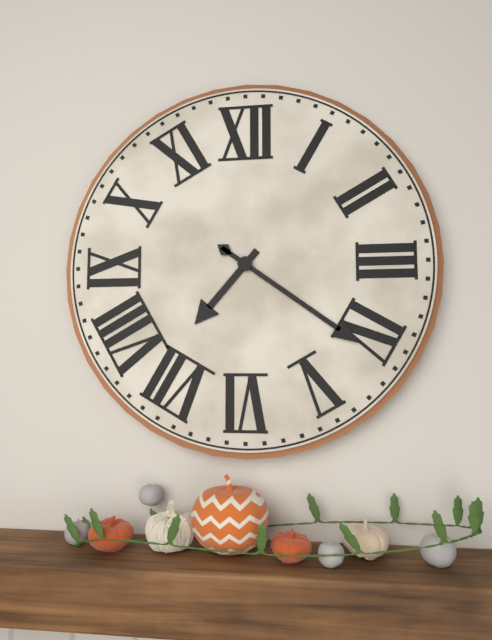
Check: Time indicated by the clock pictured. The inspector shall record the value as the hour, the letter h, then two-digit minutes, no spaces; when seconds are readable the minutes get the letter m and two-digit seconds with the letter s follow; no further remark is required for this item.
7h21
